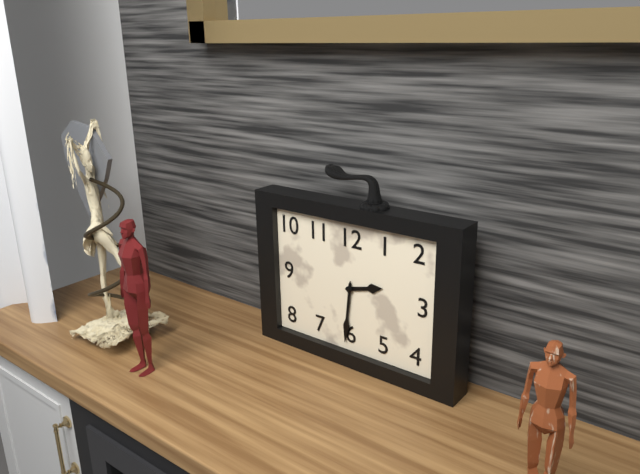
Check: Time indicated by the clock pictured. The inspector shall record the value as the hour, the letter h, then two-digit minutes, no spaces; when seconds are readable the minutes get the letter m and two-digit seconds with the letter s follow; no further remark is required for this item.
2h31
